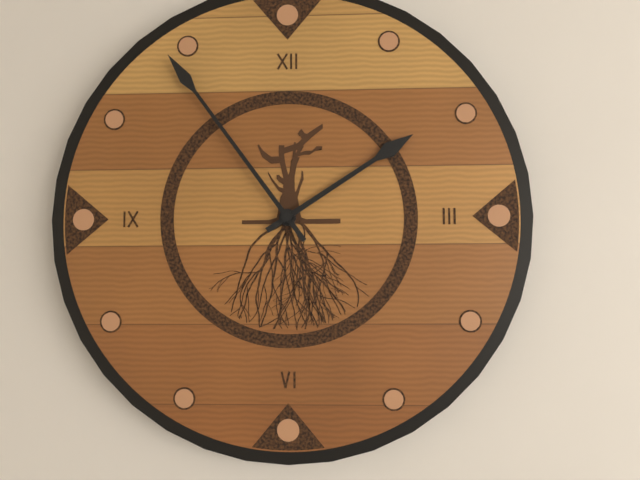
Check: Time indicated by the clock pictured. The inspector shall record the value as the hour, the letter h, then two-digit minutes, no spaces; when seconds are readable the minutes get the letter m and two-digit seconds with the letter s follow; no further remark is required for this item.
1h54
